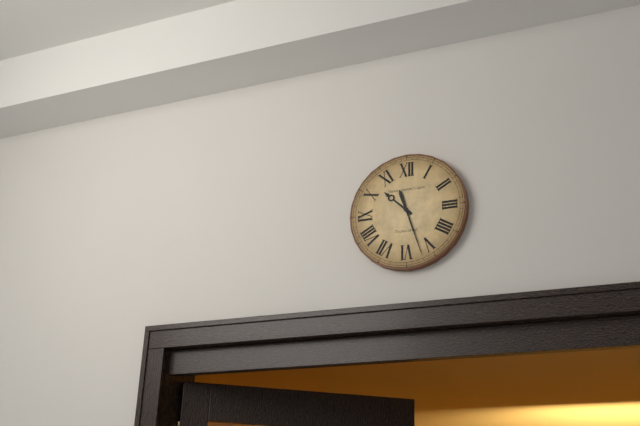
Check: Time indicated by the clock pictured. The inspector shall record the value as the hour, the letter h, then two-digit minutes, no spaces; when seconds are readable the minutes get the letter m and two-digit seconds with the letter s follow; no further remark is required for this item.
10h27
